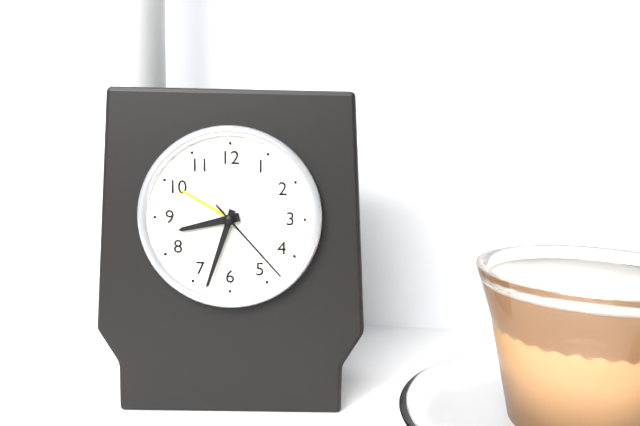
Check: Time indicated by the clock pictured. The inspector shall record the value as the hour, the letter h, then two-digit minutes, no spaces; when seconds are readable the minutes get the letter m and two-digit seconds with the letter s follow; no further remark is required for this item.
8h33m23s
